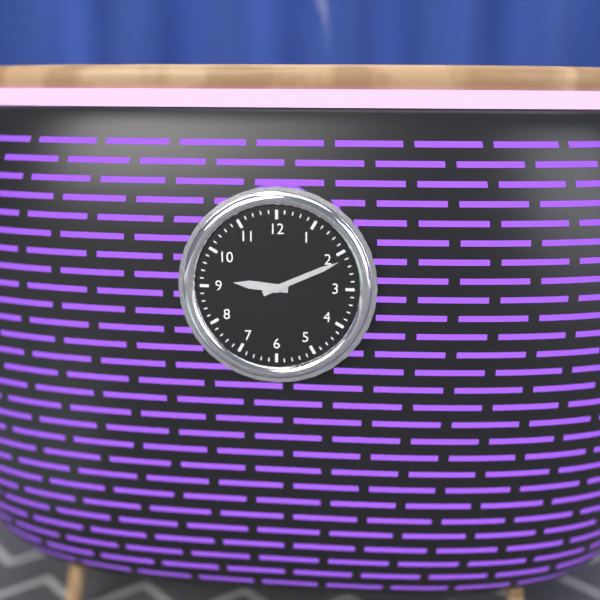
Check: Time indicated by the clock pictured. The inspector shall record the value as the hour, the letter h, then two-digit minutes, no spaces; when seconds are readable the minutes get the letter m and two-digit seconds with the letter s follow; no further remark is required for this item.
9h11
